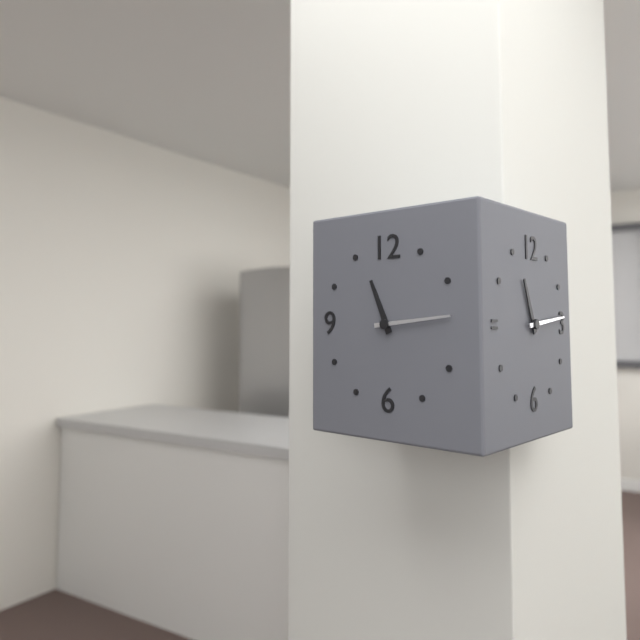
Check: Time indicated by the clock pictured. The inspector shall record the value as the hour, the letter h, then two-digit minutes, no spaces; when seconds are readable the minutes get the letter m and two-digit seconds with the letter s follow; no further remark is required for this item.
11h14
